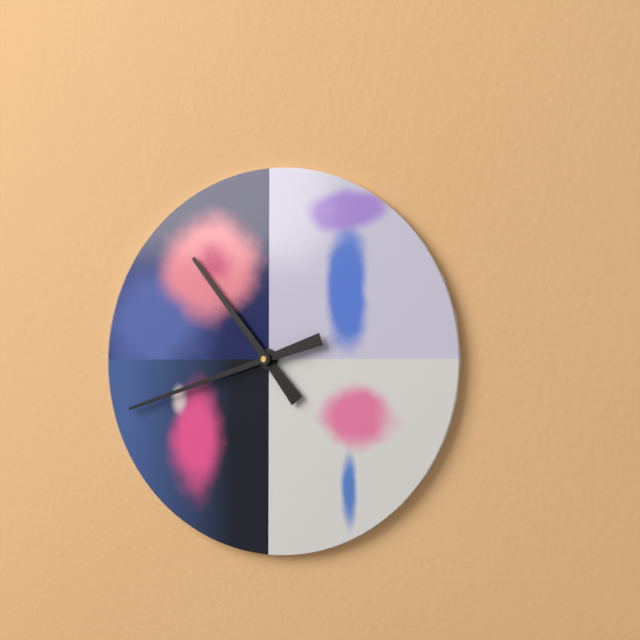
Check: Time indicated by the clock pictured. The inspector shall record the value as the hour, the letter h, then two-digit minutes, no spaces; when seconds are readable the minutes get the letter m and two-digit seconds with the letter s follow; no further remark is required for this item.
10h42
